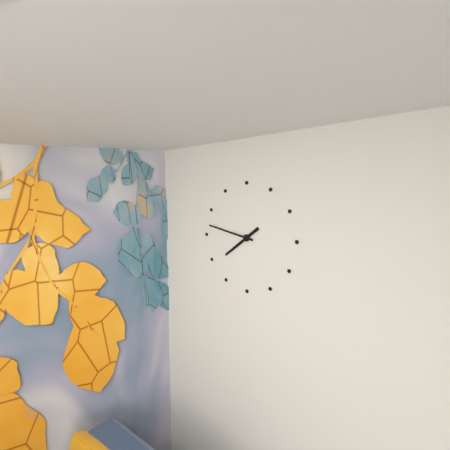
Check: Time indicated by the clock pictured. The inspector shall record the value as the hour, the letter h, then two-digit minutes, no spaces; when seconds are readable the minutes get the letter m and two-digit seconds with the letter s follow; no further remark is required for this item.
7h47
